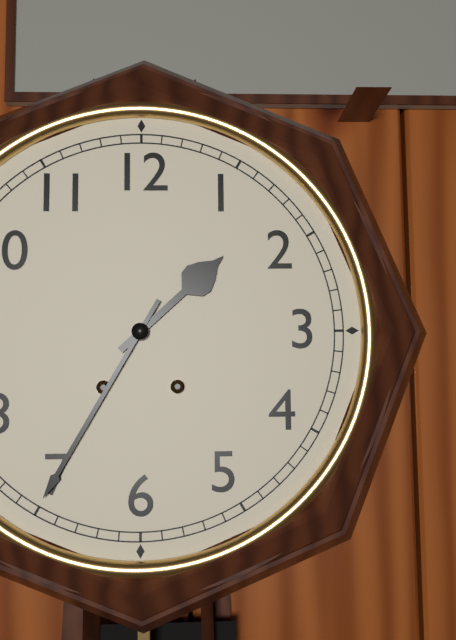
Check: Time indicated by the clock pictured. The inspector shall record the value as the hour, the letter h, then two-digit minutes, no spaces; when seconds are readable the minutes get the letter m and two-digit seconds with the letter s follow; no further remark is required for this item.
1h35
